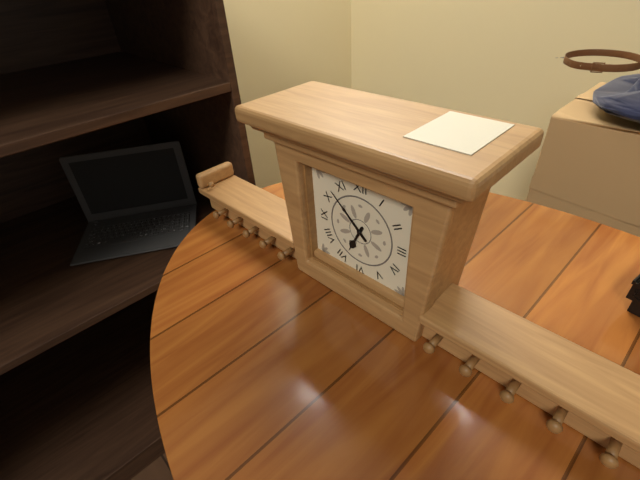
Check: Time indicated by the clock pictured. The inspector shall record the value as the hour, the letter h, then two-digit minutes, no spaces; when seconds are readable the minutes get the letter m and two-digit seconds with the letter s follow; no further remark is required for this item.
6h52
